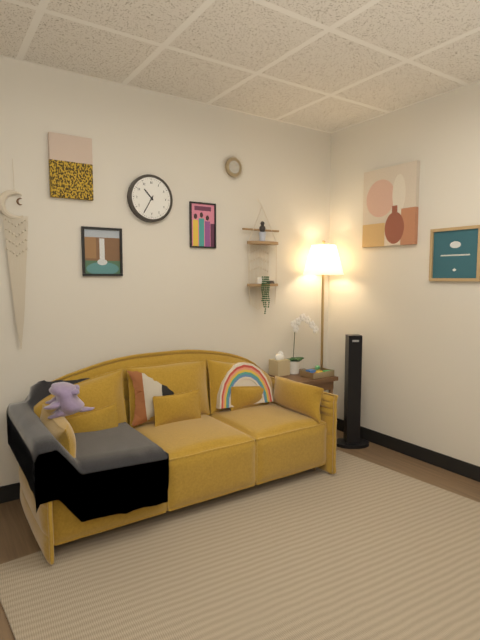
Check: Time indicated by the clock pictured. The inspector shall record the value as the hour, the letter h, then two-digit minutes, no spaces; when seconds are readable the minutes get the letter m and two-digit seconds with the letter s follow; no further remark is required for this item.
10h35
